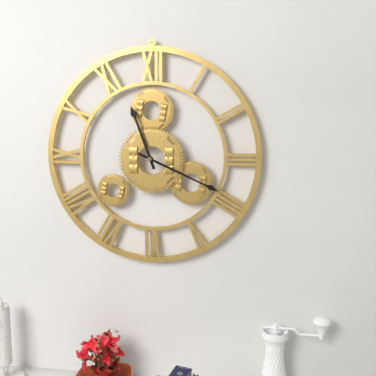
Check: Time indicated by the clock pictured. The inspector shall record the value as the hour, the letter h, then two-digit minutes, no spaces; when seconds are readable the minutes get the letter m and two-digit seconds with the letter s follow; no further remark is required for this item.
11h19
